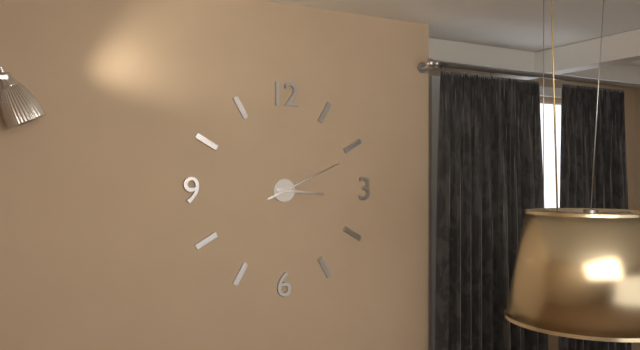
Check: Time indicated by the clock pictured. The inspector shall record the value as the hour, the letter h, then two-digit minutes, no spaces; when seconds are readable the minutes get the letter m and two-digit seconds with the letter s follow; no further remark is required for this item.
3h11
